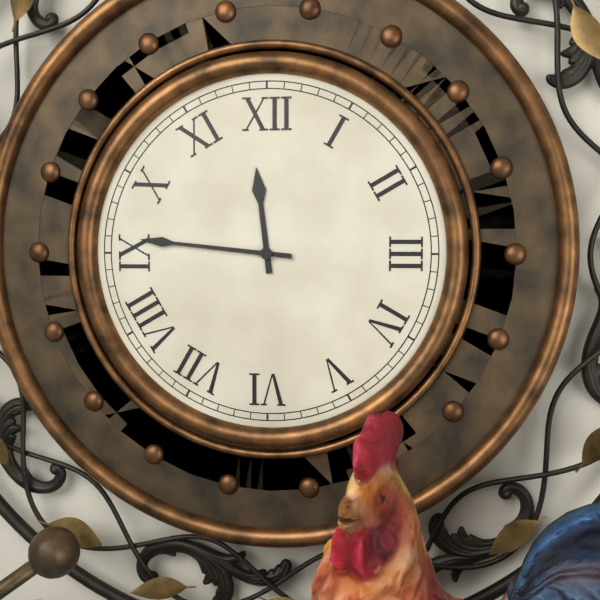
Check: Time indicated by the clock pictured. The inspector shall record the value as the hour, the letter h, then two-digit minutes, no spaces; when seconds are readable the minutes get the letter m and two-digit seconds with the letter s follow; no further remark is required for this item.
11h46
